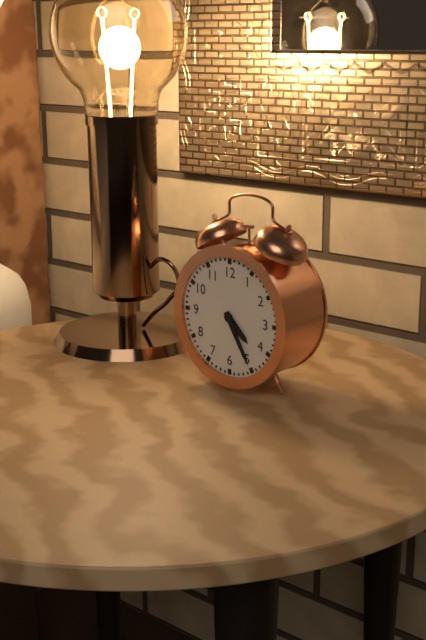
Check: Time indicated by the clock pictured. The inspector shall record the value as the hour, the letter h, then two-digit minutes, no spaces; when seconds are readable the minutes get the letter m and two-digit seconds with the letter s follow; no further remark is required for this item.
4h25
